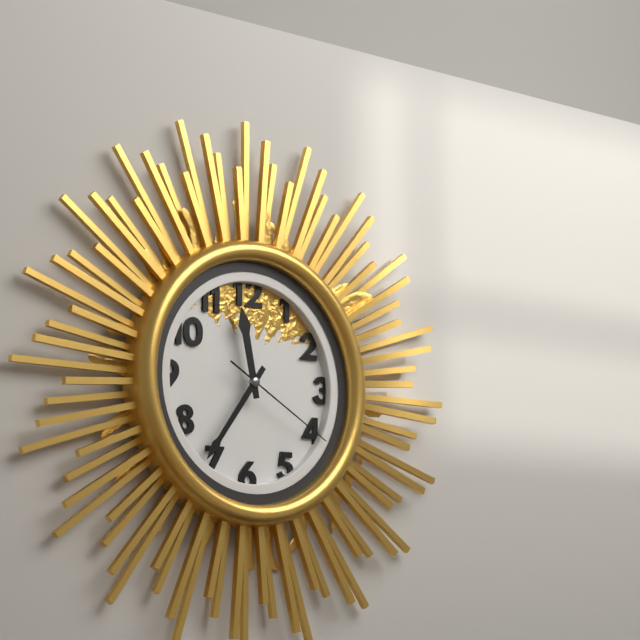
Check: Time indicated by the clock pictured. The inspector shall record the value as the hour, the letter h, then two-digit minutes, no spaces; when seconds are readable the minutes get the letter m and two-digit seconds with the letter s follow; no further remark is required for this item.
11h36m20s
